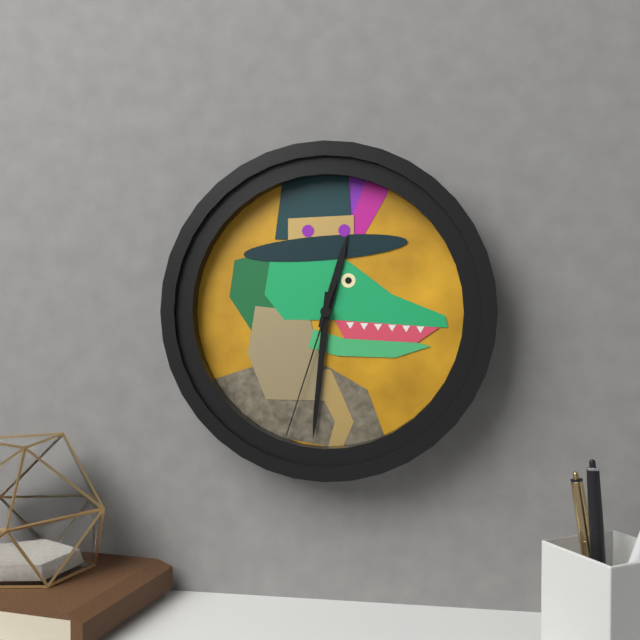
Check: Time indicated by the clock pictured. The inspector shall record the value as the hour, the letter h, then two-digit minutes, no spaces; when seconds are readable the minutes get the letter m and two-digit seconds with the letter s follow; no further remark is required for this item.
12h31m33s
